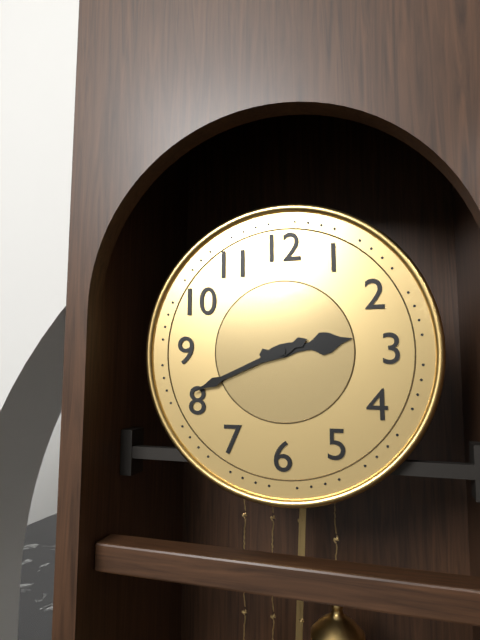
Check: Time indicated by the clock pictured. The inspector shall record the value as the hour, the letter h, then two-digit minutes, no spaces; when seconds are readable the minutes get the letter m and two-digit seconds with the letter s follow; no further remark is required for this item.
2h41
